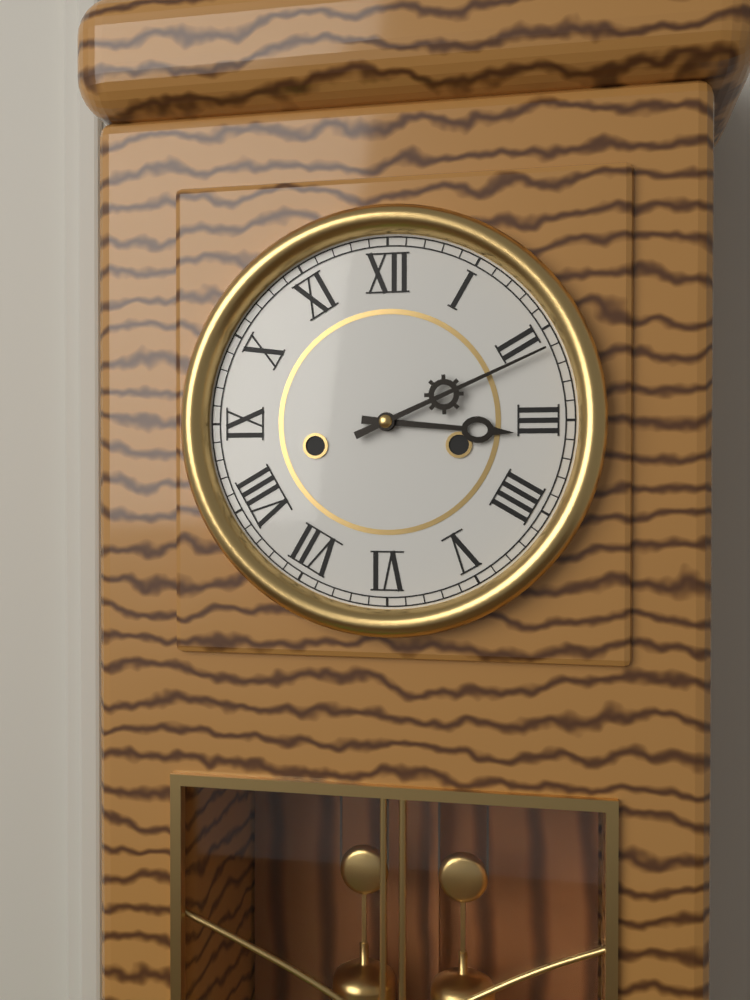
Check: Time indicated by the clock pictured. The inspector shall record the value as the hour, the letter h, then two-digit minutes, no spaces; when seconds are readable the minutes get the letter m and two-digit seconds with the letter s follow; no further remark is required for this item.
3h11
